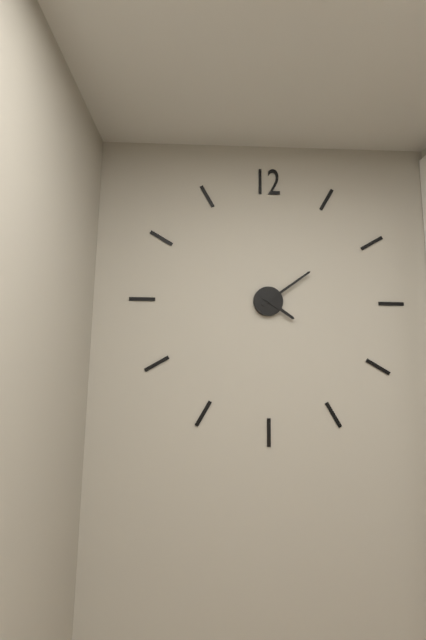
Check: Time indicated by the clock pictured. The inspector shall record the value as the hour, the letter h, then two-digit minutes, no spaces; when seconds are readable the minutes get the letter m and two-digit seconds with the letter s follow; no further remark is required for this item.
4h09
